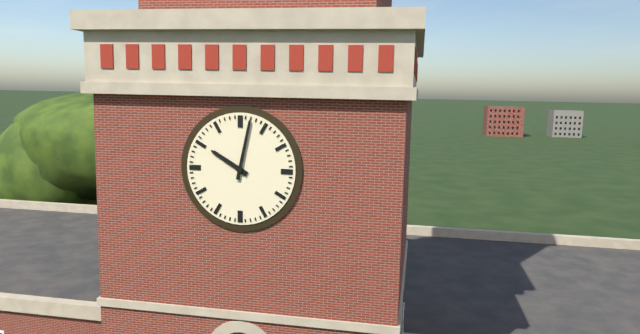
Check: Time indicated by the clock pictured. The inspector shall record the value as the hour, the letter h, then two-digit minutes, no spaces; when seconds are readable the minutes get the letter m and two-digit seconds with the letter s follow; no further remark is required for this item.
10h02
